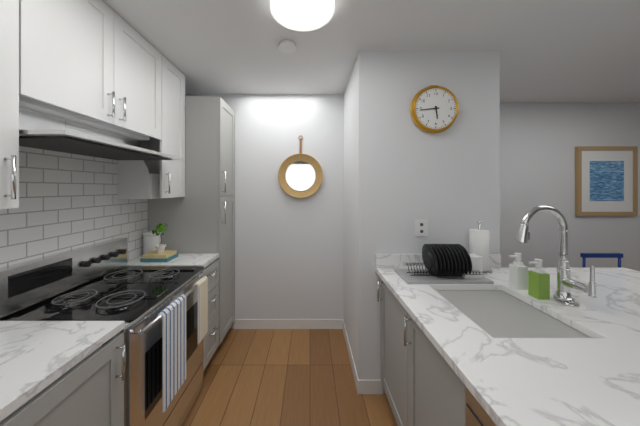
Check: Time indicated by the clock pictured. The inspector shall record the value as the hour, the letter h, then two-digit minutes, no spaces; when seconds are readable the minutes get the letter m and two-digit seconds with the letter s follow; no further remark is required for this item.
5h44
